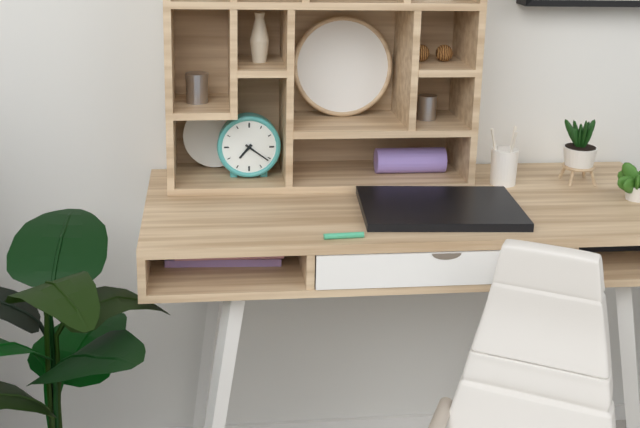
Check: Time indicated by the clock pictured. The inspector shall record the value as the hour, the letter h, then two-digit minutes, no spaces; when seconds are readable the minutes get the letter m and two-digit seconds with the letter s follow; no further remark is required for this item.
7h21
